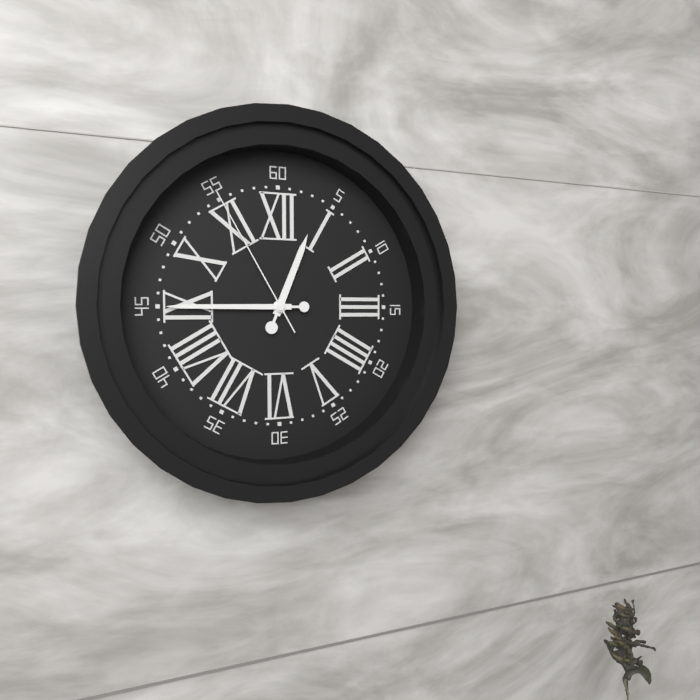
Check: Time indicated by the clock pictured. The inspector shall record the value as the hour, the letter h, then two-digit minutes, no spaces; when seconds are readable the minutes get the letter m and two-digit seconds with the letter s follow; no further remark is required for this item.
12h45m55s
